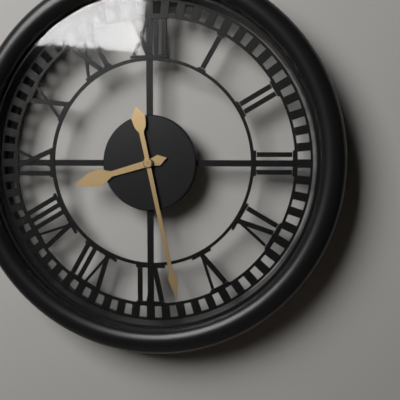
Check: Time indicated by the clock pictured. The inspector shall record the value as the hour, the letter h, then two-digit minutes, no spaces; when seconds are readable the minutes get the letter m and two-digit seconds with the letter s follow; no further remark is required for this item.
8h28
